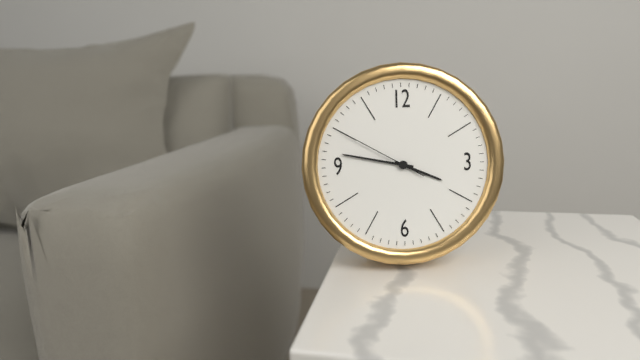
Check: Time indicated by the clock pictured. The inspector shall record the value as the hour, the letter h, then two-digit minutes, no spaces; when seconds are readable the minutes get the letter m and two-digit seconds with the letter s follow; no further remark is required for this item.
3h47m50s
